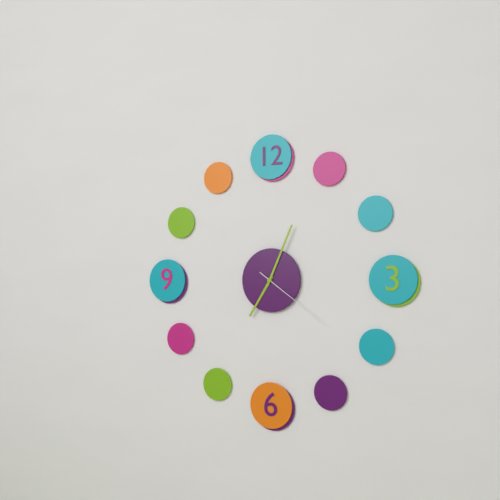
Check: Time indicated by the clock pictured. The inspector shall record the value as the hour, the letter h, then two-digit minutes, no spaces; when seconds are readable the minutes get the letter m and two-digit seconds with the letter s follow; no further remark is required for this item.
7h04m21s
